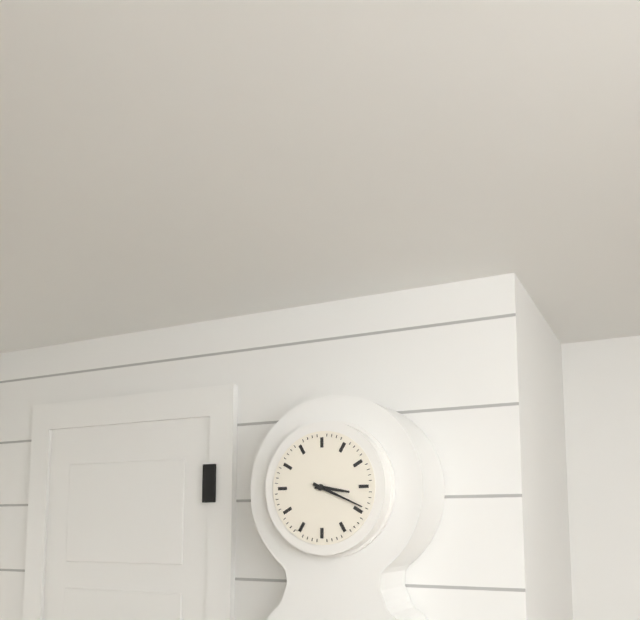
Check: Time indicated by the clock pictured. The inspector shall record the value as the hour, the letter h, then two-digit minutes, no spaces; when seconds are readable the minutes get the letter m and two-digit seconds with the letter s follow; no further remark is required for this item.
3h19
